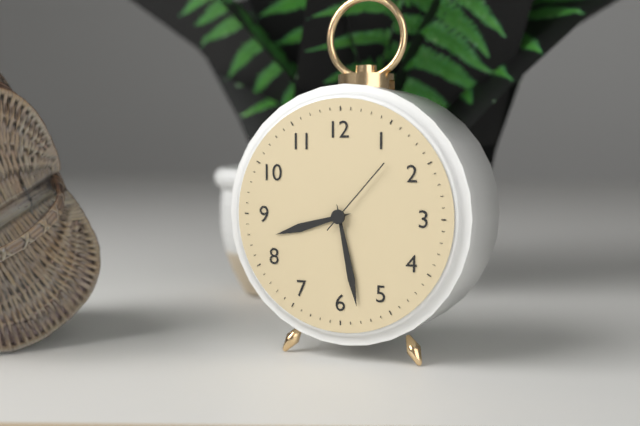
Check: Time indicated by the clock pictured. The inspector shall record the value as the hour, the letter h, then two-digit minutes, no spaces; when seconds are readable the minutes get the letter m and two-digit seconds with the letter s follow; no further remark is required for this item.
8h28m07s
